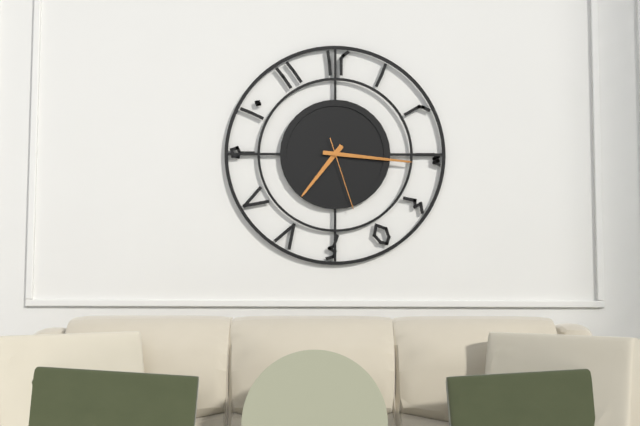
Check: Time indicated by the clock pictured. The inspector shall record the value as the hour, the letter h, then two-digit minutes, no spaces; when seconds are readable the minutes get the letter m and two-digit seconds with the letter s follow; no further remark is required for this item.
7h16m27s
